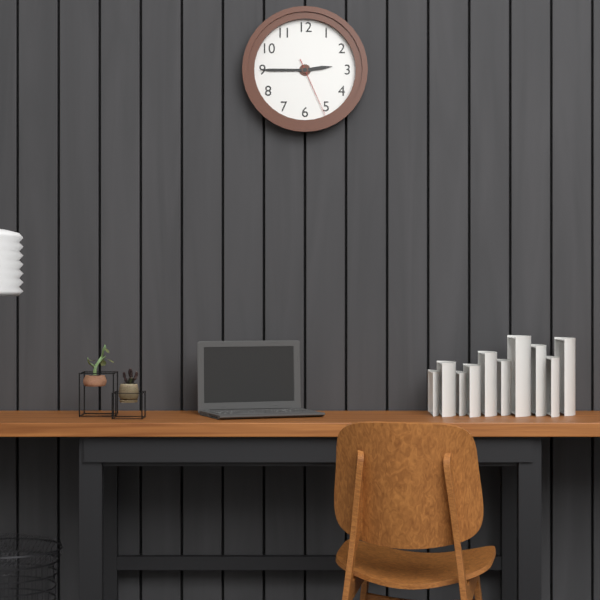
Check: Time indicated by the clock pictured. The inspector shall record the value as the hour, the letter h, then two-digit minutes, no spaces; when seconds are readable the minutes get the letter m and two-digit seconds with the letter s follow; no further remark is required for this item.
2h45m26s
